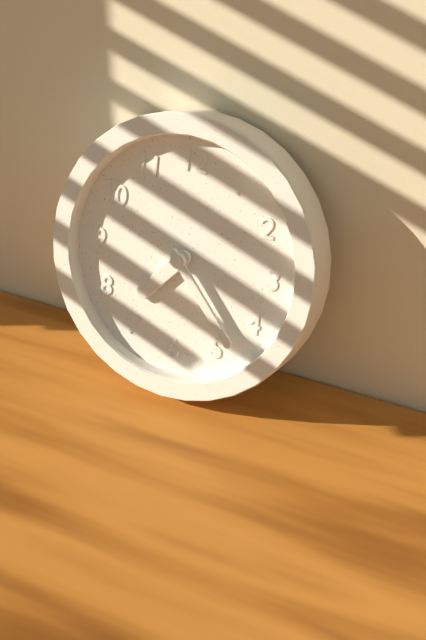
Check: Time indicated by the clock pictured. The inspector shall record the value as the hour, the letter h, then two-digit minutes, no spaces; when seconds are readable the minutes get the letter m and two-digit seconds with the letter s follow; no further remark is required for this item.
7h23
